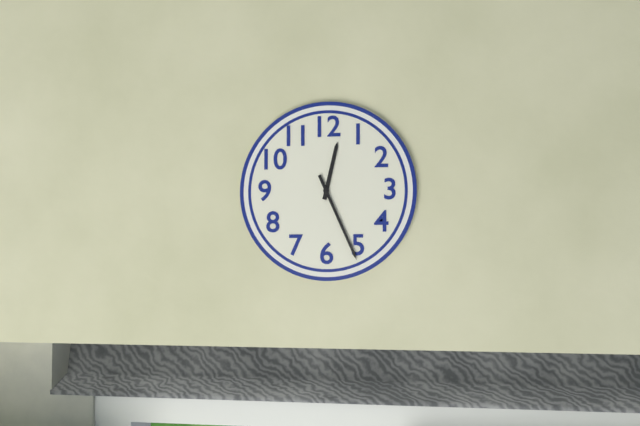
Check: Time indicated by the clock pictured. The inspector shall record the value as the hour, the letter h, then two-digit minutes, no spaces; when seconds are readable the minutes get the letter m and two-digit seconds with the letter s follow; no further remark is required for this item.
12h26
